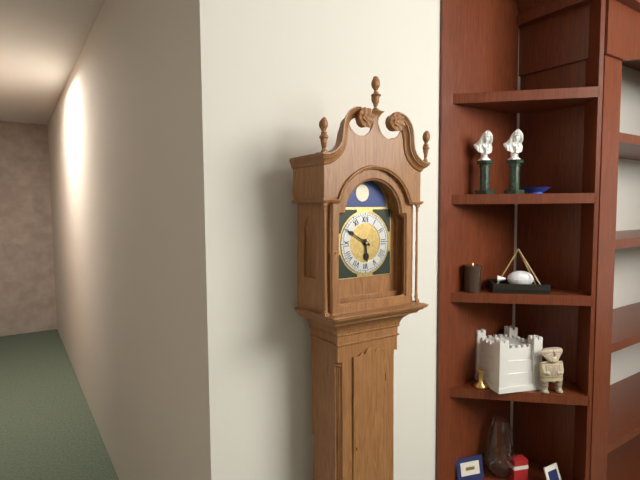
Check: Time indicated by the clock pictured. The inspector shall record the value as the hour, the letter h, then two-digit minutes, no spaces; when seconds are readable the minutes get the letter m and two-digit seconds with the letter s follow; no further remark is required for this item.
5h50
